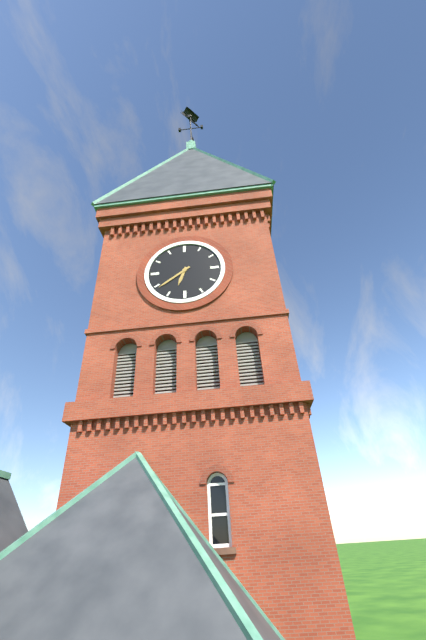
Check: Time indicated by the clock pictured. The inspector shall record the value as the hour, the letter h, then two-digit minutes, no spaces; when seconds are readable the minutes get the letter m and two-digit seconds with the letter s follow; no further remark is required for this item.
6h39
